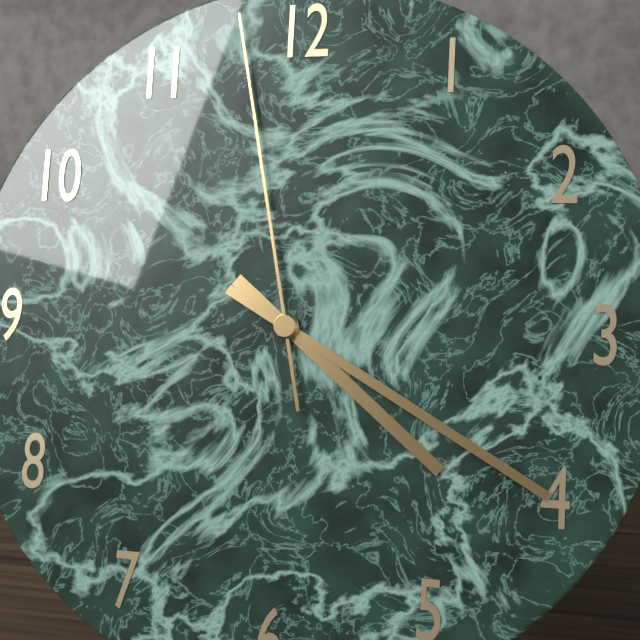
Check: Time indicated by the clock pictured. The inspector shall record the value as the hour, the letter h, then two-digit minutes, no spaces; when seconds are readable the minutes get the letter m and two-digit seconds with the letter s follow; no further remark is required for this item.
4h20m58s
